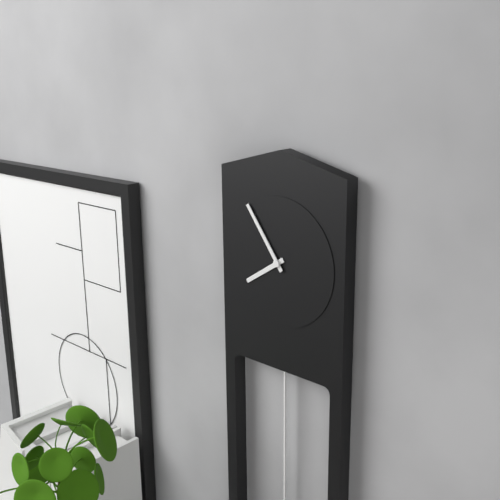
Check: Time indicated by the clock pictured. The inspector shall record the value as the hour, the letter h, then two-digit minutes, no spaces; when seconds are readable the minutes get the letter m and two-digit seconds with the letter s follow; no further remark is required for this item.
7h54
